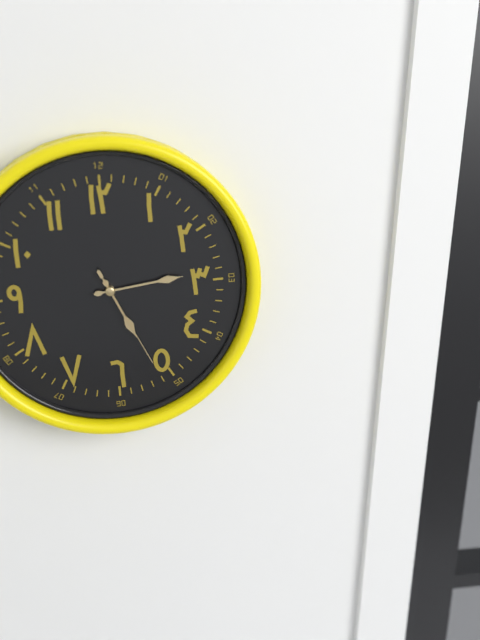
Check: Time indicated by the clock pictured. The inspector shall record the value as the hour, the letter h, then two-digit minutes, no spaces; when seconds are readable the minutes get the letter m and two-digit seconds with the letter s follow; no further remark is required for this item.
5h14m26s
